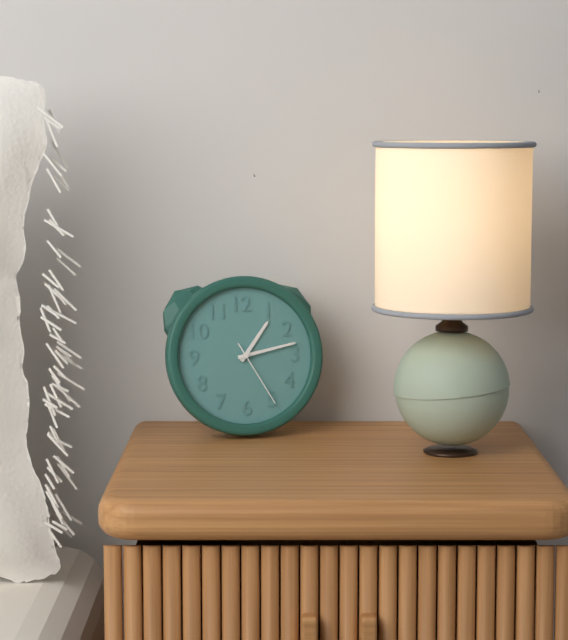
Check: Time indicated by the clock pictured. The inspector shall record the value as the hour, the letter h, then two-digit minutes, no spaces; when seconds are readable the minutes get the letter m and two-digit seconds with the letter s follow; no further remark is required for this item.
1h13m25s
